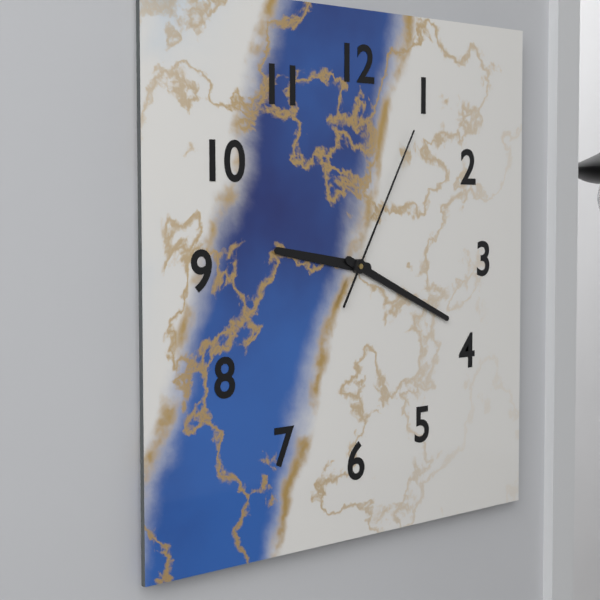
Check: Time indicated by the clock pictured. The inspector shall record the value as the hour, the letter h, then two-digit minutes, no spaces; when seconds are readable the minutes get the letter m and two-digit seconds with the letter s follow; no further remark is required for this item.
9h19m05s
